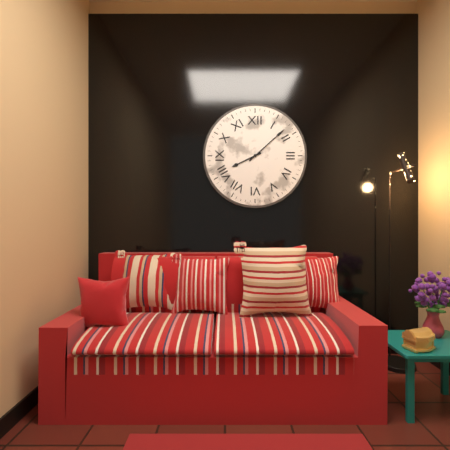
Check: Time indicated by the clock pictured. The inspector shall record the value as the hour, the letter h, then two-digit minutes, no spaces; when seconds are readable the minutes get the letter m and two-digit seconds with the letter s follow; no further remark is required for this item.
8h08
